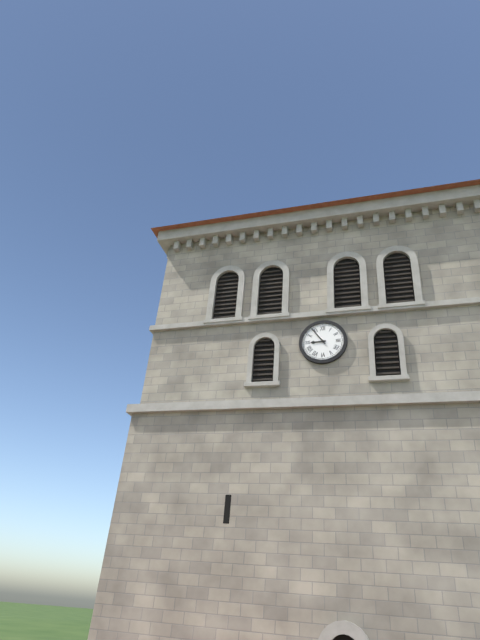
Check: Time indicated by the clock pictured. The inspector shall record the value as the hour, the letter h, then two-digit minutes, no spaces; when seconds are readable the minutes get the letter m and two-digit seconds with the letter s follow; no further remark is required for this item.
8h54
